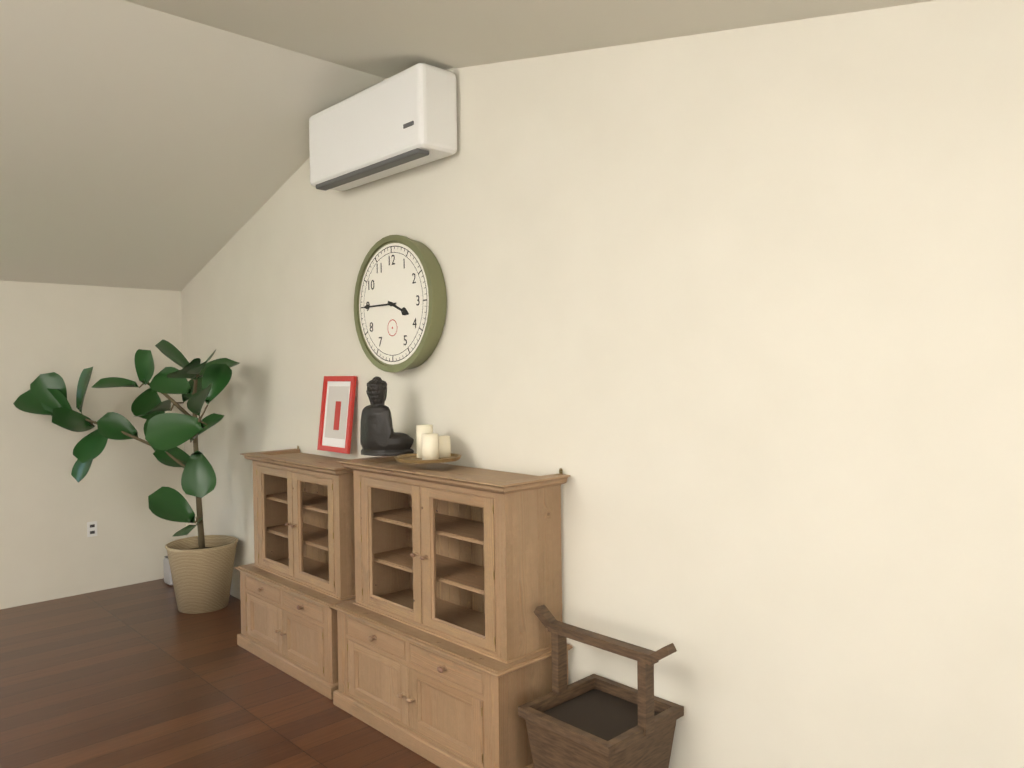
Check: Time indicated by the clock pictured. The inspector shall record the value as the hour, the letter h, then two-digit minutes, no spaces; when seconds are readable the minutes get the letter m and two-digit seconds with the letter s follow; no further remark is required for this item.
3h45
